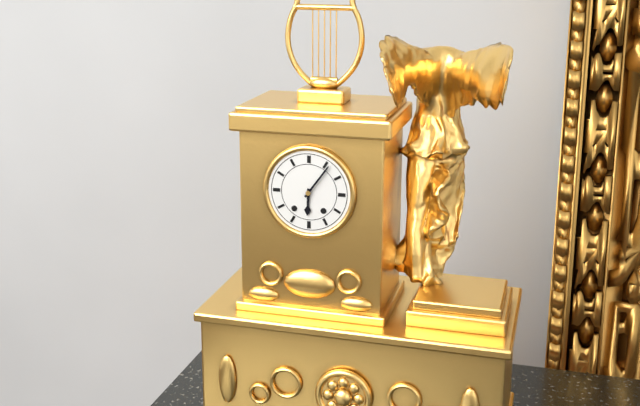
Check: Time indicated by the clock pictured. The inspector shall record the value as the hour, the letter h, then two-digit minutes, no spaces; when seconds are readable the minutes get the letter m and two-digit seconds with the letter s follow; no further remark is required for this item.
6h06
